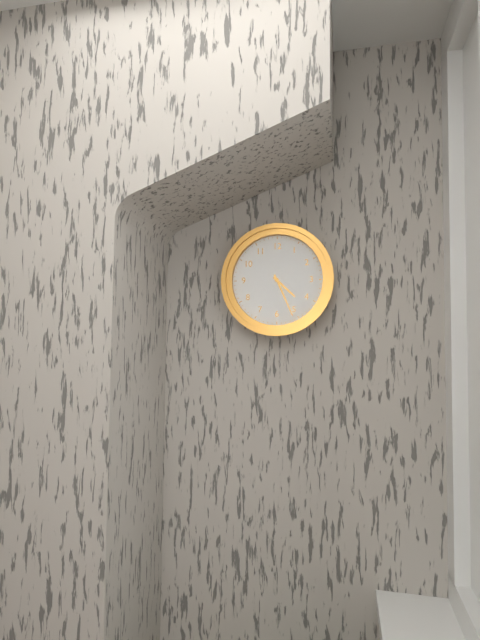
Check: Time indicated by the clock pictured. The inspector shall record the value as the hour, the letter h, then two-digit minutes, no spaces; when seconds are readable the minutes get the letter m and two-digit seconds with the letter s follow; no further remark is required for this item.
4h26
